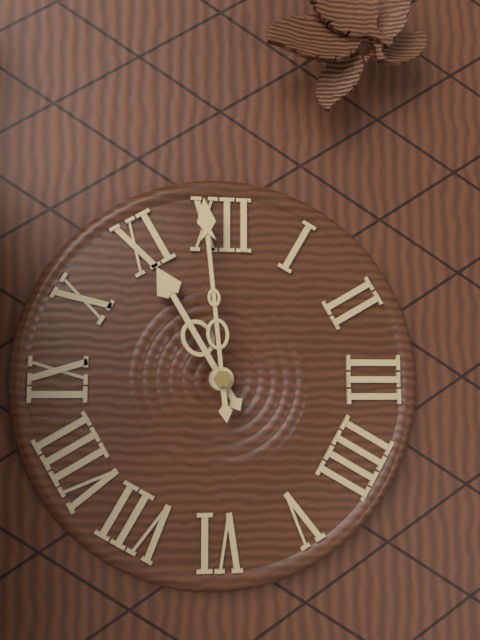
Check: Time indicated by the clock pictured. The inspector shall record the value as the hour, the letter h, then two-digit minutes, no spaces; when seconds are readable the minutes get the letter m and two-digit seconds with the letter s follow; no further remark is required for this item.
10h59
